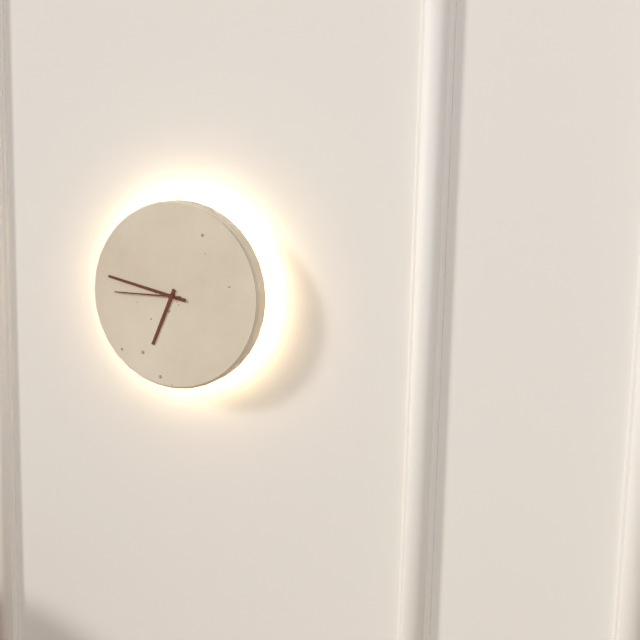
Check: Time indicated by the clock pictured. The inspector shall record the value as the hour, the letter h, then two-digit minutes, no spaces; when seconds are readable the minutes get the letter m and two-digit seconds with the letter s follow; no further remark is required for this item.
6h47m45s
